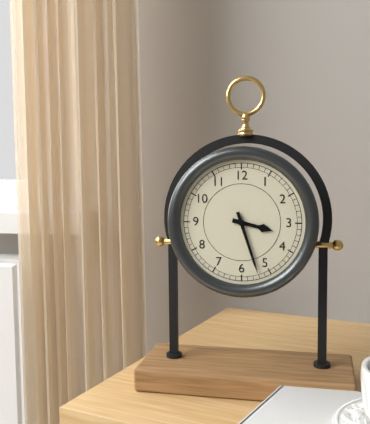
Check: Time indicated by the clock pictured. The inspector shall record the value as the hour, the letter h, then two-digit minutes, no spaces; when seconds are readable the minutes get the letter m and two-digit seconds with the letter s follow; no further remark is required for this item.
3h27
